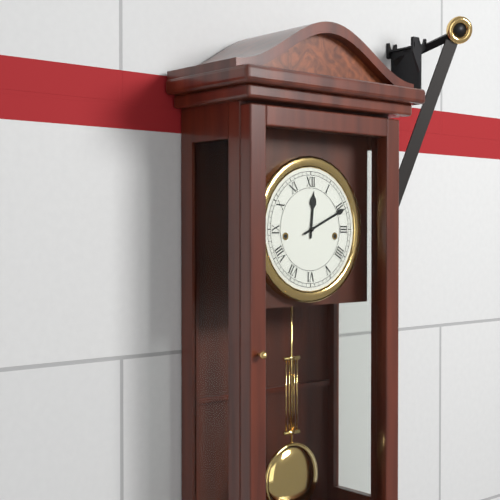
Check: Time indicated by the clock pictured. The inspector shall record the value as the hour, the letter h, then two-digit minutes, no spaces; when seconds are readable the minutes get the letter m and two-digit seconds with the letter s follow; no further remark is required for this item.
12h11
